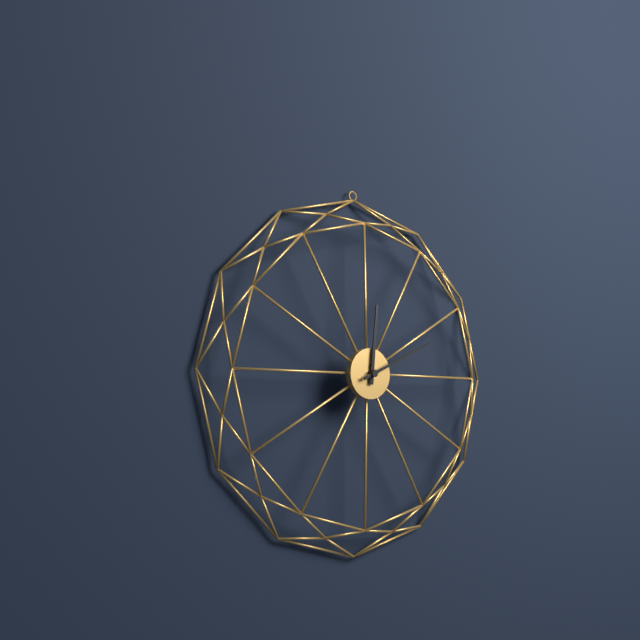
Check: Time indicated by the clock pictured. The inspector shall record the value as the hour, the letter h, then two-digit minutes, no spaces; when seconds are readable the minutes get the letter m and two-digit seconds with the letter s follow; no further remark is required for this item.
12h11
